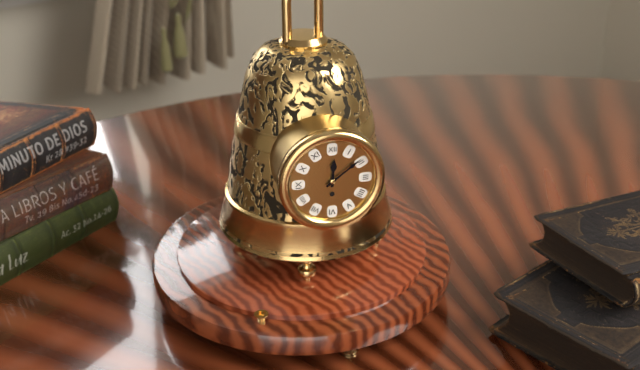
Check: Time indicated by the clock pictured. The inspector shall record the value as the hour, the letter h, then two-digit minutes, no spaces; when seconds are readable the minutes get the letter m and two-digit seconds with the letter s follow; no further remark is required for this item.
12h09
